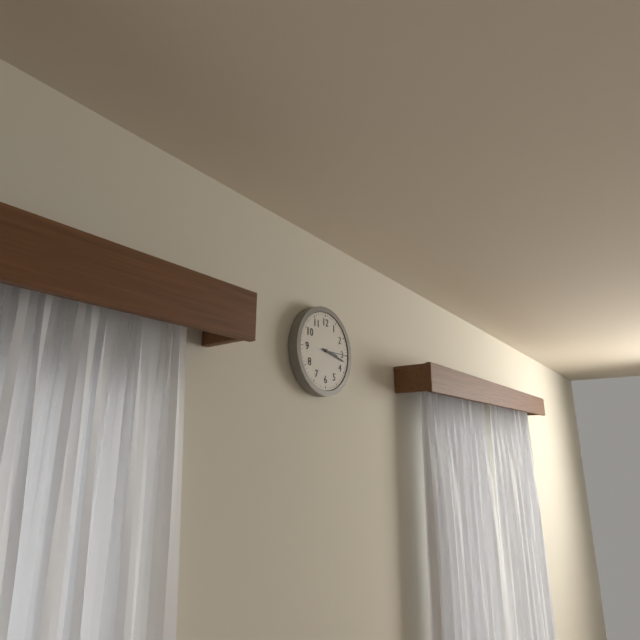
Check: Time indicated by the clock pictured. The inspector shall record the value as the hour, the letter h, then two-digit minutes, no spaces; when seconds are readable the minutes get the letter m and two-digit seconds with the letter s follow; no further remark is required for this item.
3h17
